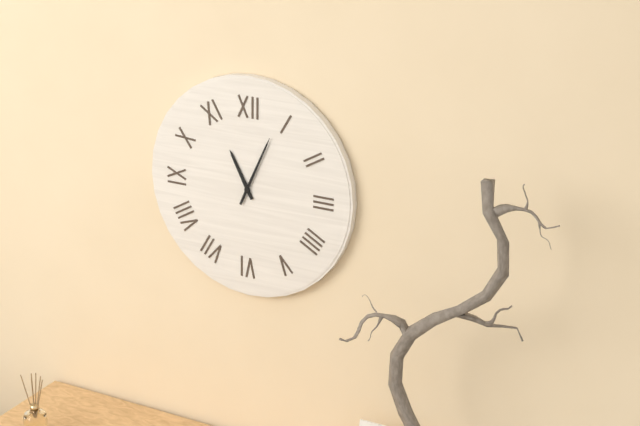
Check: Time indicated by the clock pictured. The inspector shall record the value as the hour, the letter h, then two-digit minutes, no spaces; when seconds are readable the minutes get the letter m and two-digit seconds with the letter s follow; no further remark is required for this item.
11h04
